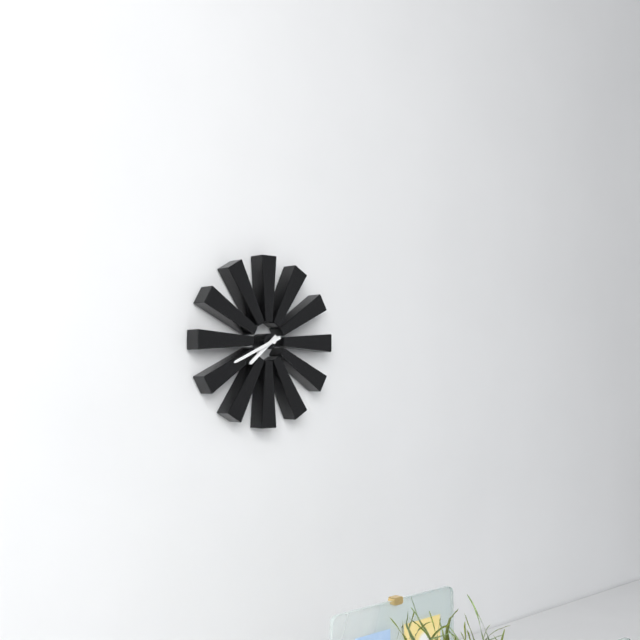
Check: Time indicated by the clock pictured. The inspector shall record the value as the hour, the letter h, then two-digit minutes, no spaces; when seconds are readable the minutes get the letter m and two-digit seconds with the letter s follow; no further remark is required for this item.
7h41
